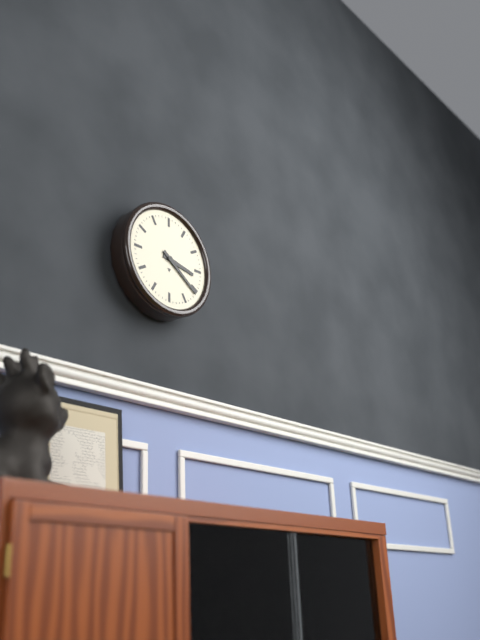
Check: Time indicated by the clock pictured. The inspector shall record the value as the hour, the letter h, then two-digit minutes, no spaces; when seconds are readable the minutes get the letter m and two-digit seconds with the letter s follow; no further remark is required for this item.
3h21
